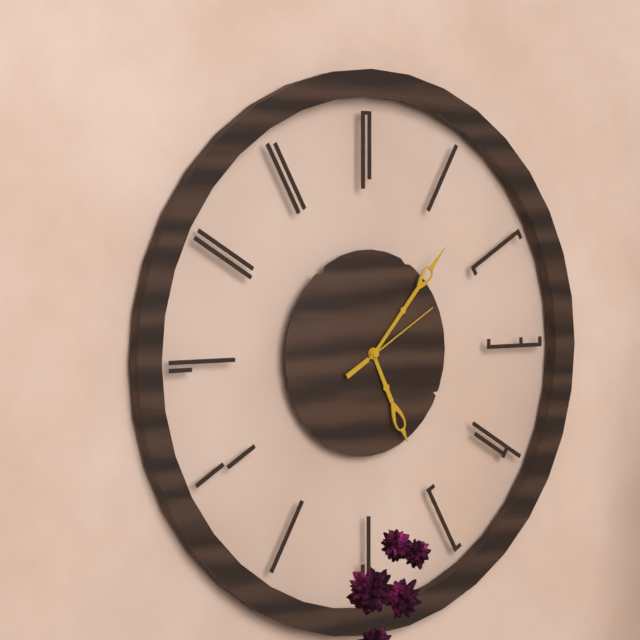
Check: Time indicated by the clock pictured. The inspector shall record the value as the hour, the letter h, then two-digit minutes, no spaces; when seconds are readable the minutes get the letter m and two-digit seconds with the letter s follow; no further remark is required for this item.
5h07m10s
